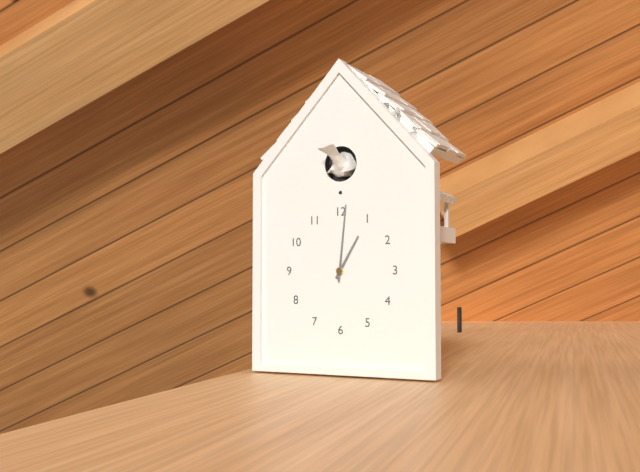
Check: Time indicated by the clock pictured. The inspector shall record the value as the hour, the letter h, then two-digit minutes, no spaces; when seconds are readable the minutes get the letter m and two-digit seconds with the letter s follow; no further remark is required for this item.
1h01
